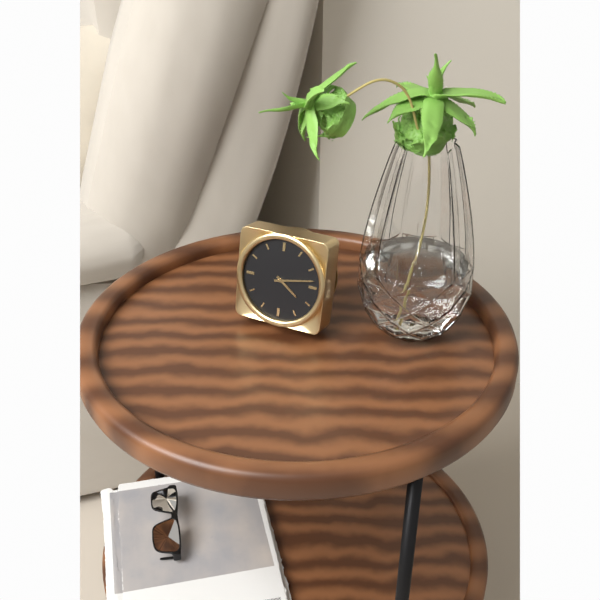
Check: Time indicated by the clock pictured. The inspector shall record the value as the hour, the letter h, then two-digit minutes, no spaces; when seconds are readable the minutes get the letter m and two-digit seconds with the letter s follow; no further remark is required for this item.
4h13
